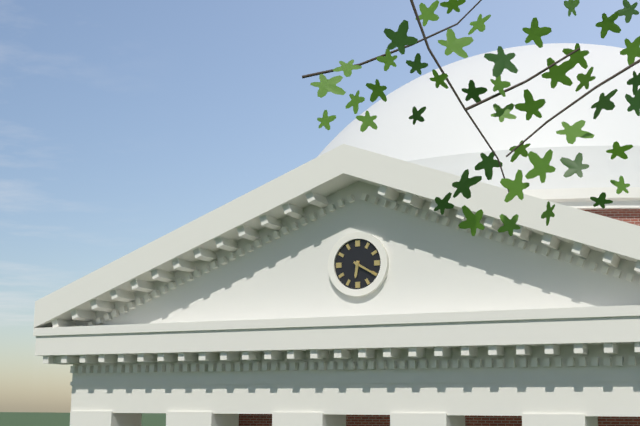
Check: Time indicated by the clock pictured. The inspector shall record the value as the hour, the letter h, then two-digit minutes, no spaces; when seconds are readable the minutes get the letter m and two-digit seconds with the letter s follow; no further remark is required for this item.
6h20
